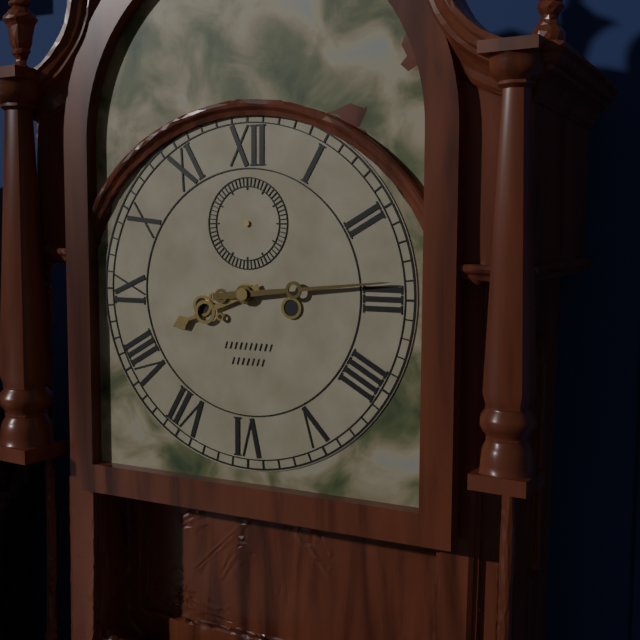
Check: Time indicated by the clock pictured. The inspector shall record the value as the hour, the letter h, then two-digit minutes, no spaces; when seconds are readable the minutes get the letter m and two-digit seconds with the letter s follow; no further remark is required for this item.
8h14
